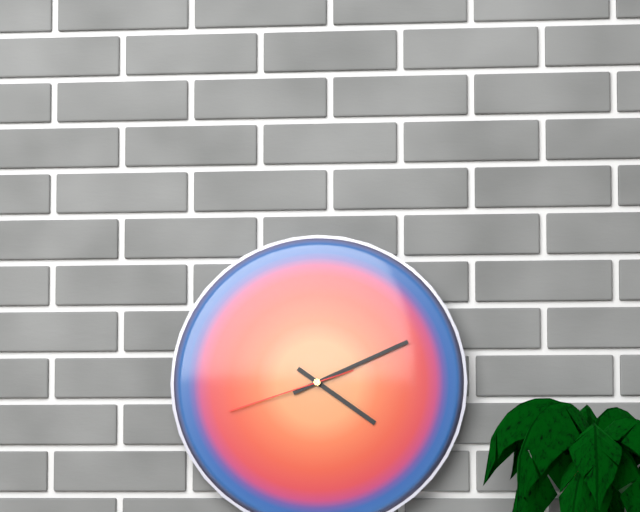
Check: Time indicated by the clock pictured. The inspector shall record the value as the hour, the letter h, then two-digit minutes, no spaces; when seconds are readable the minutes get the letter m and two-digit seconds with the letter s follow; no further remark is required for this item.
4h11m42s
